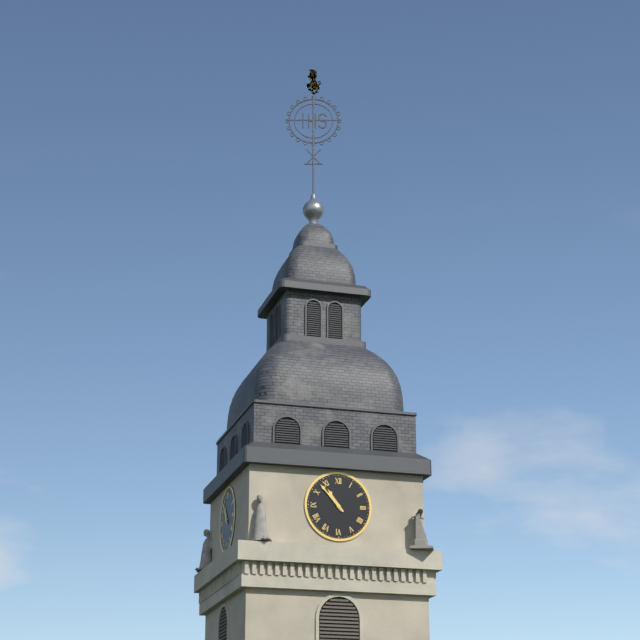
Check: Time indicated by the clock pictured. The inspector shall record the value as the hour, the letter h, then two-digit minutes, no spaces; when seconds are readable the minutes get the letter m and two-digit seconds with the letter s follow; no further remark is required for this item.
10h53
